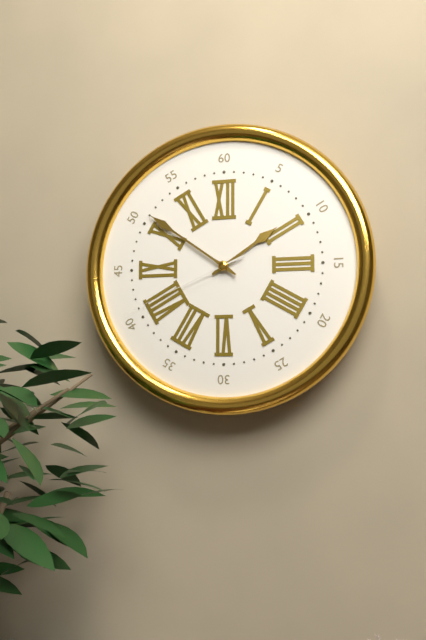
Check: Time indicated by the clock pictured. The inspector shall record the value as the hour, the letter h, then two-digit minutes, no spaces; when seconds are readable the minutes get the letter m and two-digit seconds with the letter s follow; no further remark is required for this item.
1h51m41s
